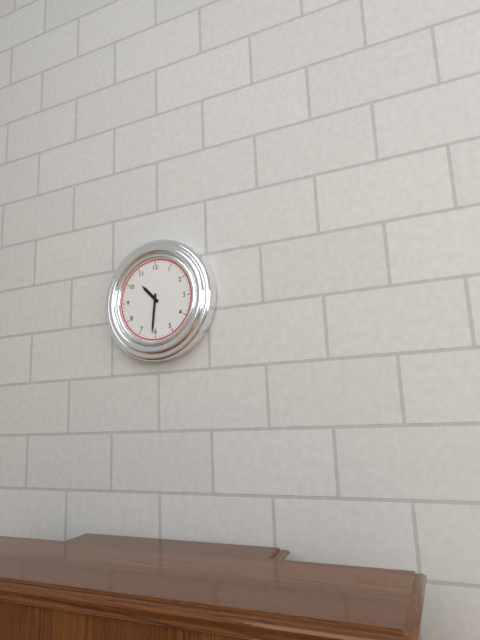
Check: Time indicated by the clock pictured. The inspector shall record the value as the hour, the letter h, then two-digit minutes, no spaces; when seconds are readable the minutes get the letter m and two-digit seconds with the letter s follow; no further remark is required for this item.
10h31
